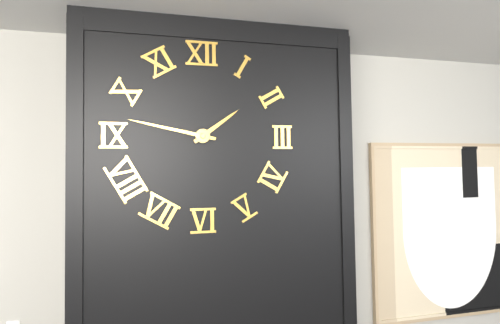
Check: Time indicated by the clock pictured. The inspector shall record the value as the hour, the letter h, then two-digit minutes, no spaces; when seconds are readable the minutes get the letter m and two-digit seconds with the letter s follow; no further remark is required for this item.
1h47
